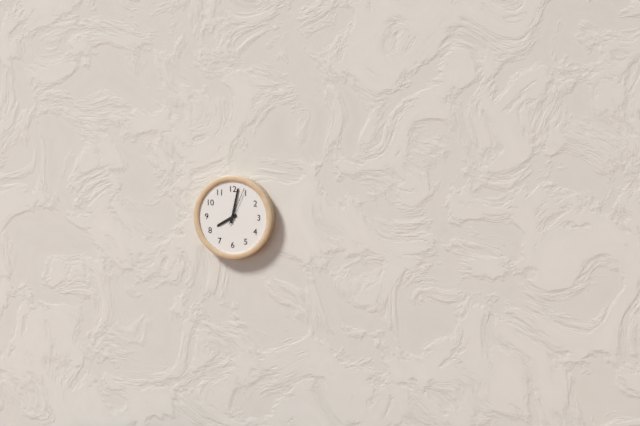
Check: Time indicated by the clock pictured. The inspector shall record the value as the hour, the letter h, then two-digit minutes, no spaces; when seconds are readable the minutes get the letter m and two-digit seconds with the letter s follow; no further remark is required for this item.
8h02
